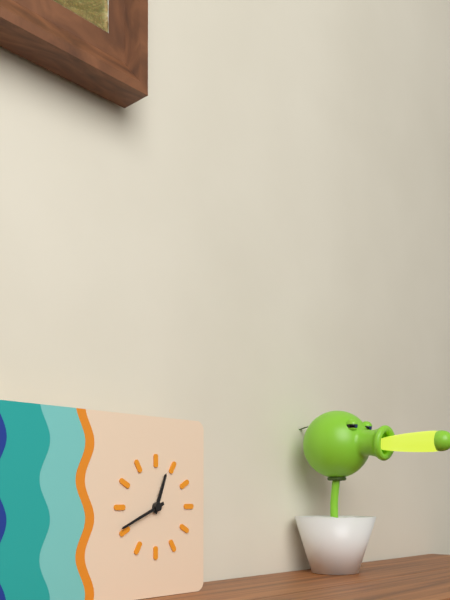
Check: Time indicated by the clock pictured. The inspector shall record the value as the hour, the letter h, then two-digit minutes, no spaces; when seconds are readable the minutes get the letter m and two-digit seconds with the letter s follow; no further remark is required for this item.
12h41
